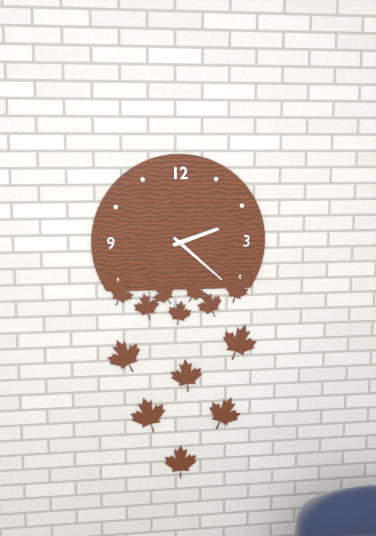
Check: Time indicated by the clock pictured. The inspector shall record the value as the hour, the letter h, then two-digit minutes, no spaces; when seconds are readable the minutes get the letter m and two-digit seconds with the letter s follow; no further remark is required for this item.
2h22
